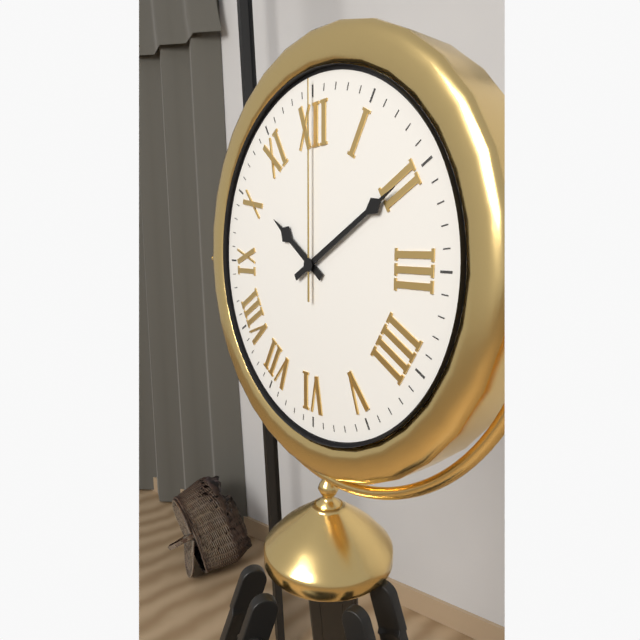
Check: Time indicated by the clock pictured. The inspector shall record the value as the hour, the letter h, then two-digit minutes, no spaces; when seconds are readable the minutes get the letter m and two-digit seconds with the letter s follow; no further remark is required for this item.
10h10m00s
